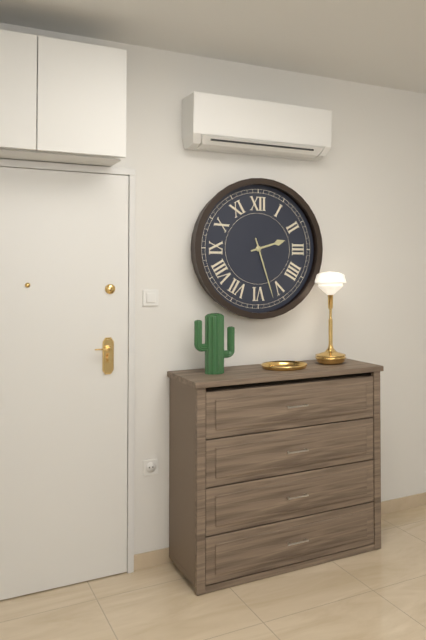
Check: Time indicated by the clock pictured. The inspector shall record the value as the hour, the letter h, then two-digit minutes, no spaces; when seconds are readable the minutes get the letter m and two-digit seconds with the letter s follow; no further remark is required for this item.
2h27
